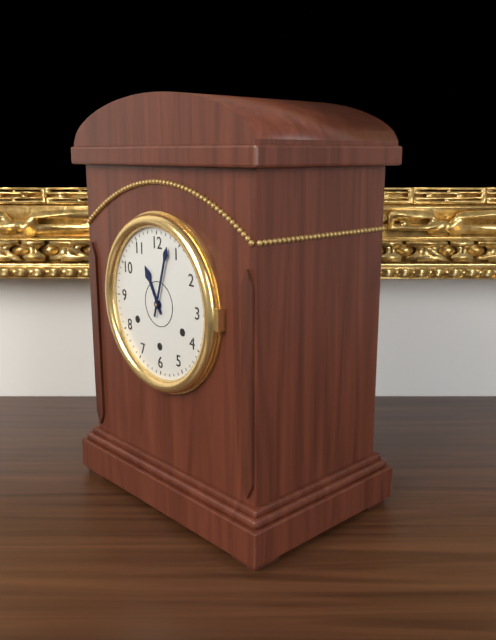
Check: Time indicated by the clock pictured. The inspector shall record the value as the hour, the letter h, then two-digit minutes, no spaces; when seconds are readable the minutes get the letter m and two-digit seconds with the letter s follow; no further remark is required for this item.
11h03
